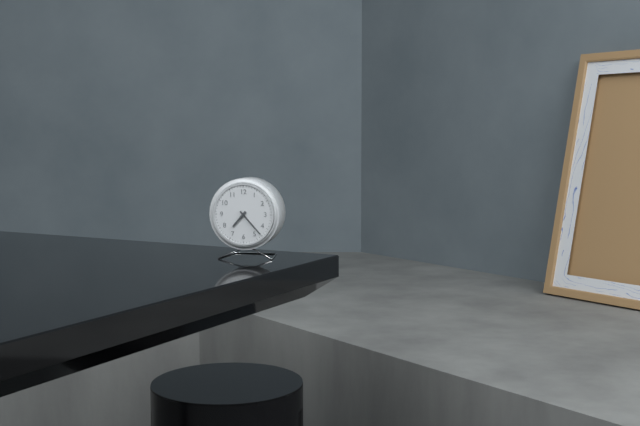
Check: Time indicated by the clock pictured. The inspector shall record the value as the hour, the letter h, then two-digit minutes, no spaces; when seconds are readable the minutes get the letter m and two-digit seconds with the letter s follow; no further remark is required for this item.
7h23
